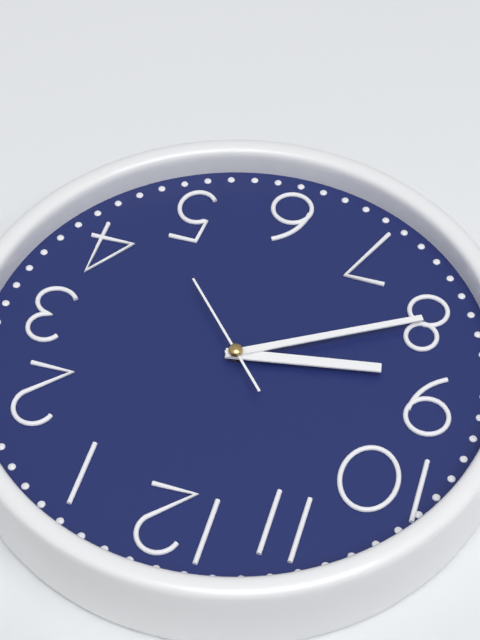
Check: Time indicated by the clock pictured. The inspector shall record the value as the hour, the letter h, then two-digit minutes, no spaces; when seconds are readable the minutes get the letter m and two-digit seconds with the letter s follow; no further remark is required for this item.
8h40m23s
